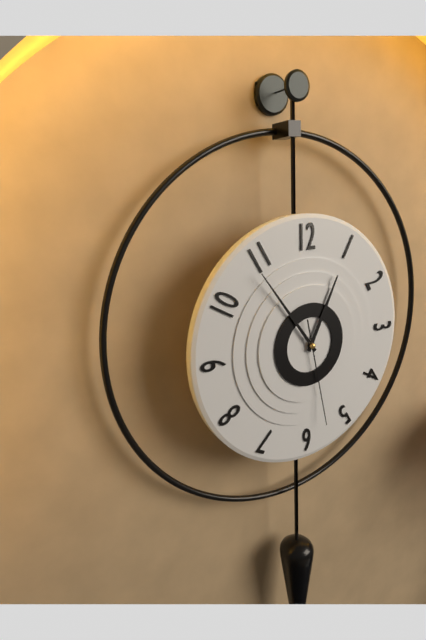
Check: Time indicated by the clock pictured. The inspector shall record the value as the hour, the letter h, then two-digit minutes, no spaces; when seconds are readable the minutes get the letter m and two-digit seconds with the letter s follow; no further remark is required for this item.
12h54m28s
